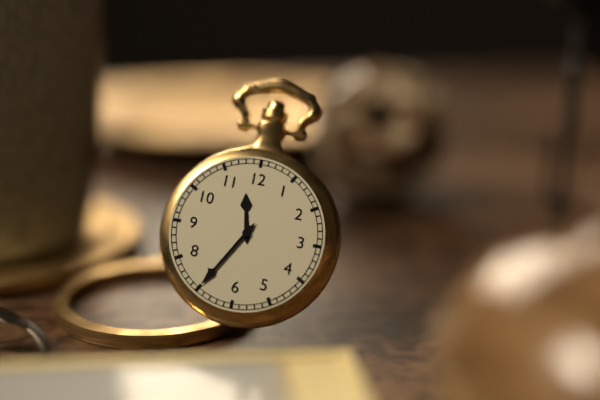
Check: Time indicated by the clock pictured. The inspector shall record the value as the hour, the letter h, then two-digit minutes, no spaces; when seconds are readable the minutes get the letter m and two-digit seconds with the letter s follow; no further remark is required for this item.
11h35
